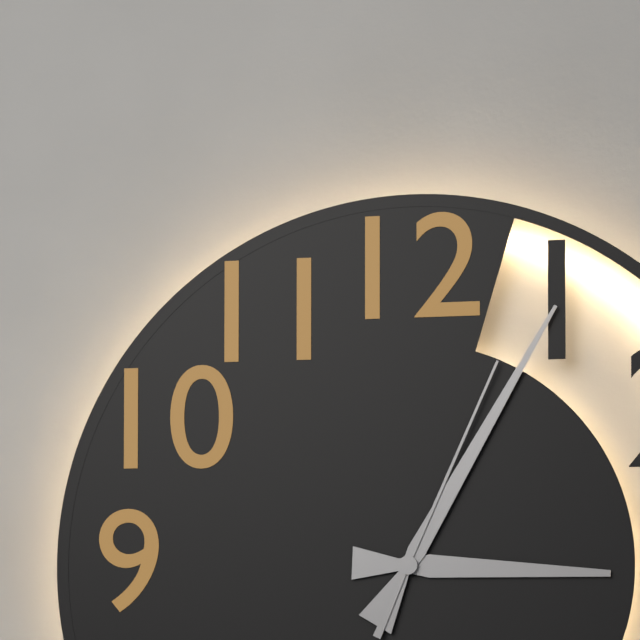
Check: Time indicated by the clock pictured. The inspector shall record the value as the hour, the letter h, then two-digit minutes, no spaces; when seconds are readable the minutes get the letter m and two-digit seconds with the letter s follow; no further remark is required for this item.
3h05m04s
